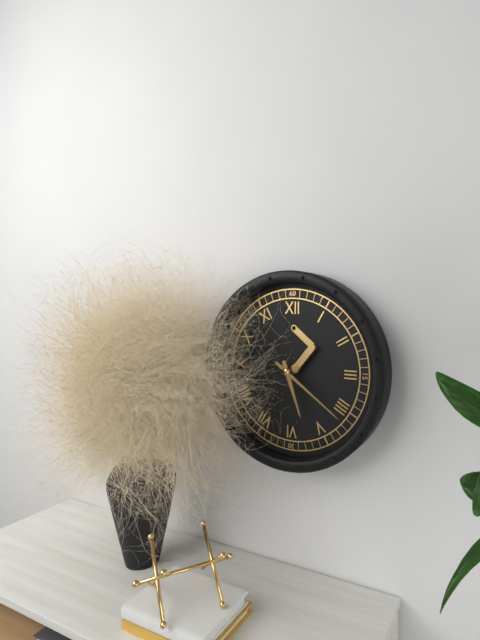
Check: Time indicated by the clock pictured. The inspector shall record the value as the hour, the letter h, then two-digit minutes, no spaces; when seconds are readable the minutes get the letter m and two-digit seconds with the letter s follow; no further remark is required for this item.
5h21
